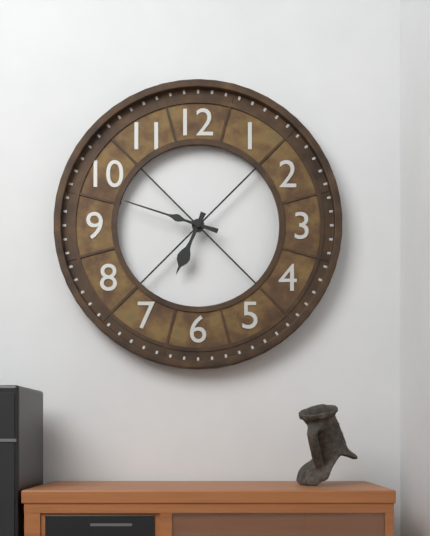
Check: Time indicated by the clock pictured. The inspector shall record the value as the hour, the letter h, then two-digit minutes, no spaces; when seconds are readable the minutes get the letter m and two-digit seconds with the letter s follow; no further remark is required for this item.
6h48
